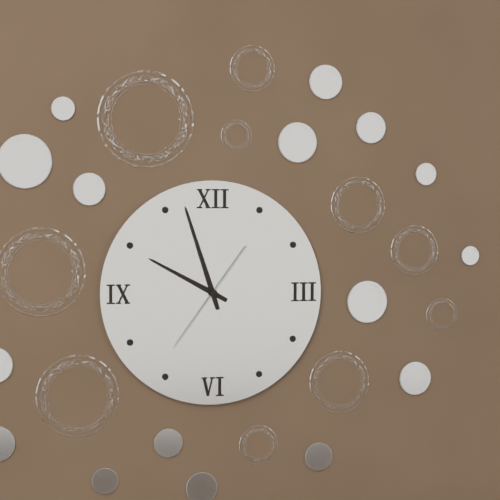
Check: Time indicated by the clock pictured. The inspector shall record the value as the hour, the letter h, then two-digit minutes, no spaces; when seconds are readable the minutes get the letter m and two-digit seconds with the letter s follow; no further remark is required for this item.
9h57m36s
